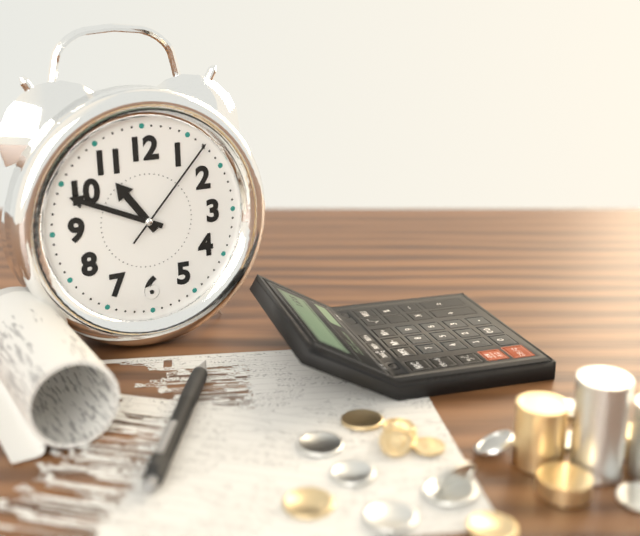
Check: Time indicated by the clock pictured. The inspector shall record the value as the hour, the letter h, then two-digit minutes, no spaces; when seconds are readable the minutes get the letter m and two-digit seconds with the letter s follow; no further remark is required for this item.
10h49m07s
